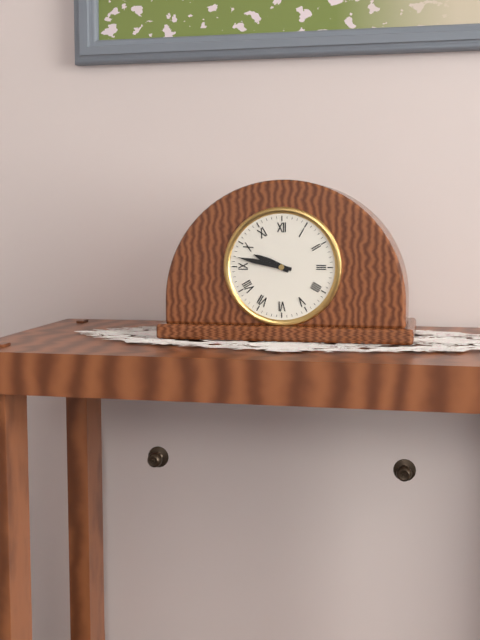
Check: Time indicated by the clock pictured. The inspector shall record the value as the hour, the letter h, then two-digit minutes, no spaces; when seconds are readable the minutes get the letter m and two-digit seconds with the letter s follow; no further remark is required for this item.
9h47
